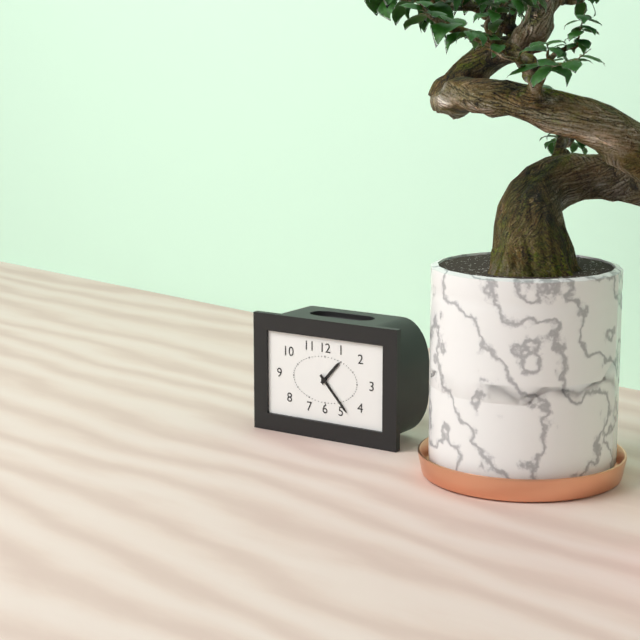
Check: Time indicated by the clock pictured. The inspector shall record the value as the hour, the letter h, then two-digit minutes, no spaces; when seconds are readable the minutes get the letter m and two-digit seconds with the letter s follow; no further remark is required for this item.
1h23
